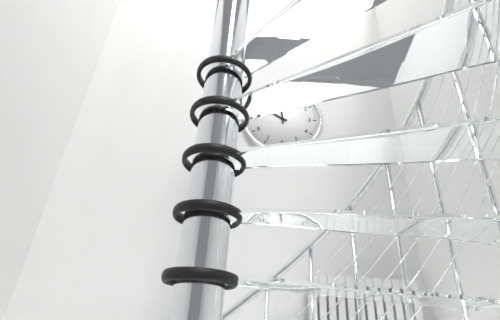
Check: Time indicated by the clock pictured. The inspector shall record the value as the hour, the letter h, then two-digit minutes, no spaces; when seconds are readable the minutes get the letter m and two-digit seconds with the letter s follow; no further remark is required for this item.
9h59
